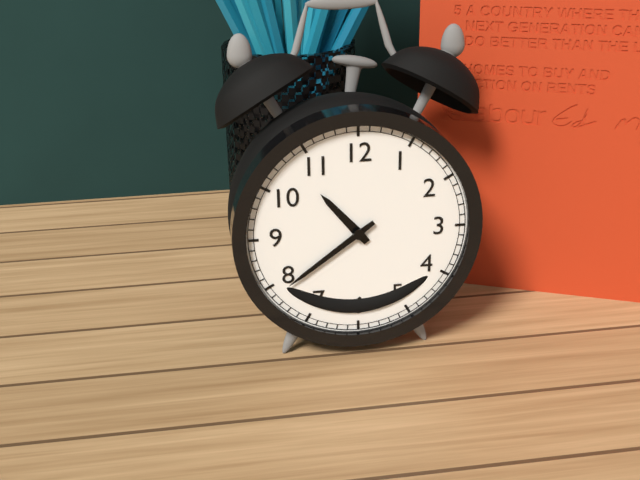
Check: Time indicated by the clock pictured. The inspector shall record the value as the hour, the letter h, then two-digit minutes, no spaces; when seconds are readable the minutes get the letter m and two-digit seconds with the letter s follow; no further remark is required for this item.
10h39
